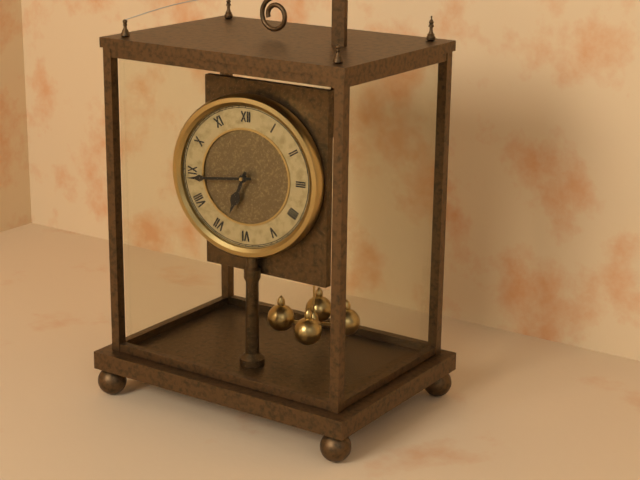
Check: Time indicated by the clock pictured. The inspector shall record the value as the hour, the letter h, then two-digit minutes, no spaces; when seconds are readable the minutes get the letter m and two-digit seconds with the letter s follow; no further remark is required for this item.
6h44
